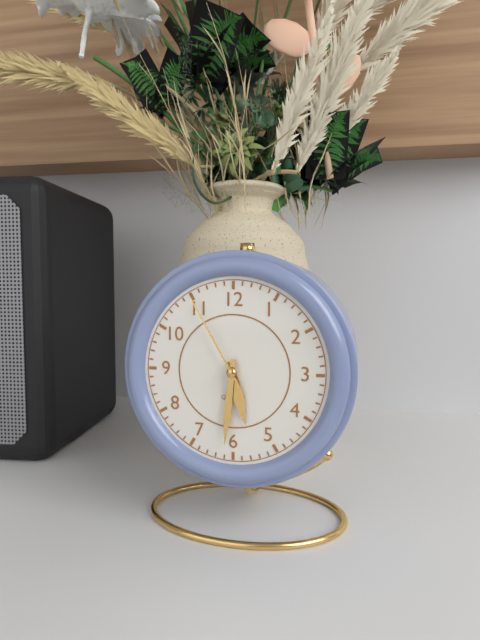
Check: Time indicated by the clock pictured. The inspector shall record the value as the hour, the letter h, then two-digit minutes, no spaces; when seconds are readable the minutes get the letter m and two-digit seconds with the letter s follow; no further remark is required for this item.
5h31m55s
